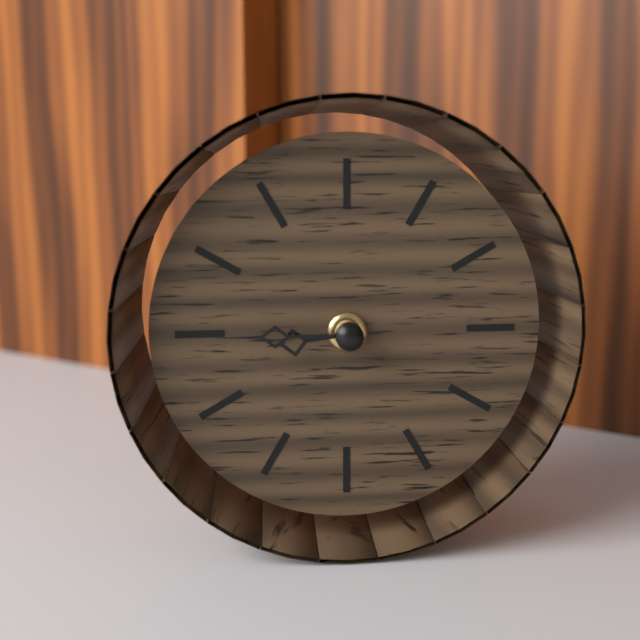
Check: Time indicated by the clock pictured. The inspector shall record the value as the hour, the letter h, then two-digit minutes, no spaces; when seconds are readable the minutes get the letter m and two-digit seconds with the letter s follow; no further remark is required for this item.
8h45
